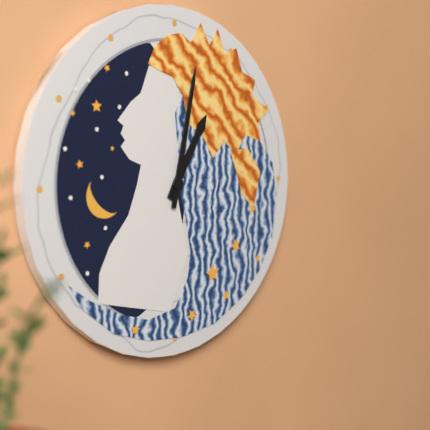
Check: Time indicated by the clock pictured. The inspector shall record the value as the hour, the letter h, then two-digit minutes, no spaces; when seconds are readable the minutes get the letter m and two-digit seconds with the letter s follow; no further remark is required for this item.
1h02
